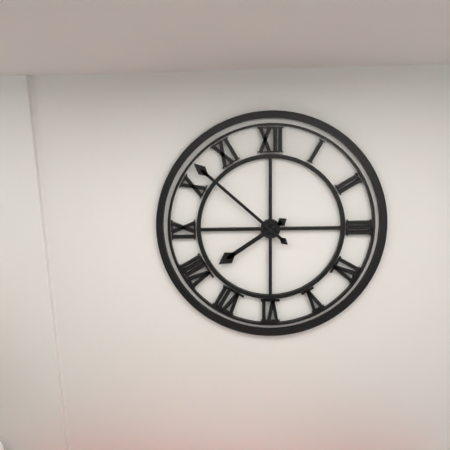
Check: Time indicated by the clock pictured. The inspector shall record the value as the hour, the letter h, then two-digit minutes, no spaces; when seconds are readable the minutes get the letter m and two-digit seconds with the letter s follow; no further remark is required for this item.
7h52
